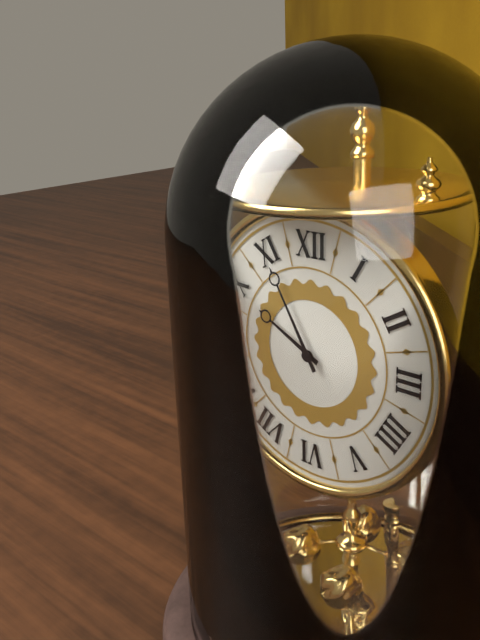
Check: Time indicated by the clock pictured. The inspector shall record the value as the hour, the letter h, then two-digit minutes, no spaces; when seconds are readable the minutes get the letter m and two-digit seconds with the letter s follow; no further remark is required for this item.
9h55
